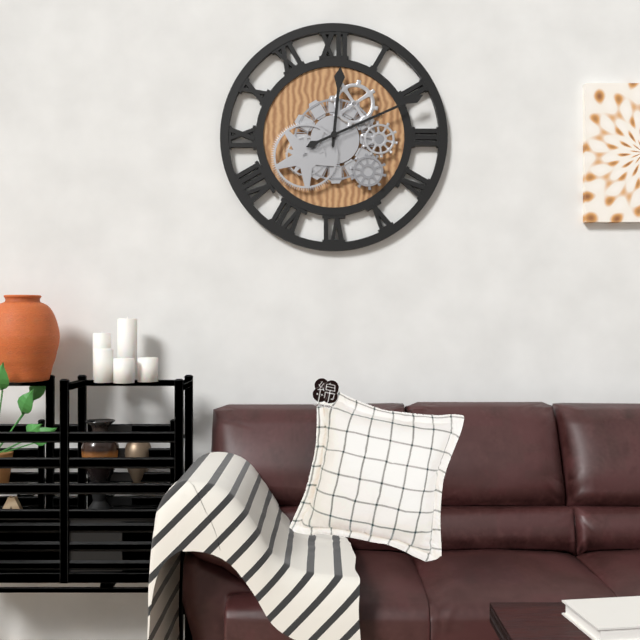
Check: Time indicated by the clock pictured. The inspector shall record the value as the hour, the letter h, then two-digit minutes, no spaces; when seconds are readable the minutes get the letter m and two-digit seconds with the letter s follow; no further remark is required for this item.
12h11
